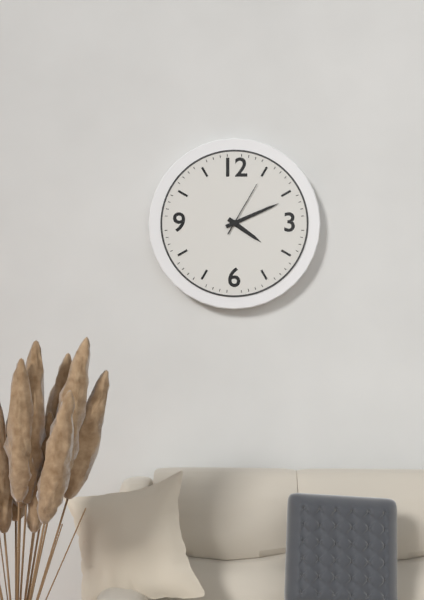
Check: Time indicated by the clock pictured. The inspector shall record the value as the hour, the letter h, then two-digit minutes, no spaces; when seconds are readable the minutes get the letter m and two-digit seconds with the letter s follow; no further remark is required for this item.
4h11m05s
